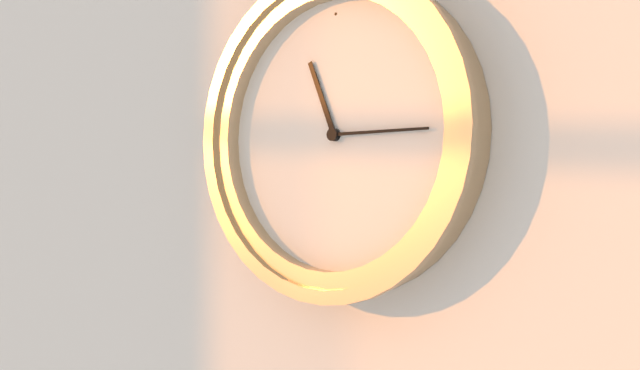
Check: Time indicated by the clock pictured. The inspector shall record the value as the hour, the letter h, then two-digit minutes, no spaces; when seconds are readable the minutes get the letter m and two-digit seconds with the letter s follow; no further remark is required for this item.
11h15
